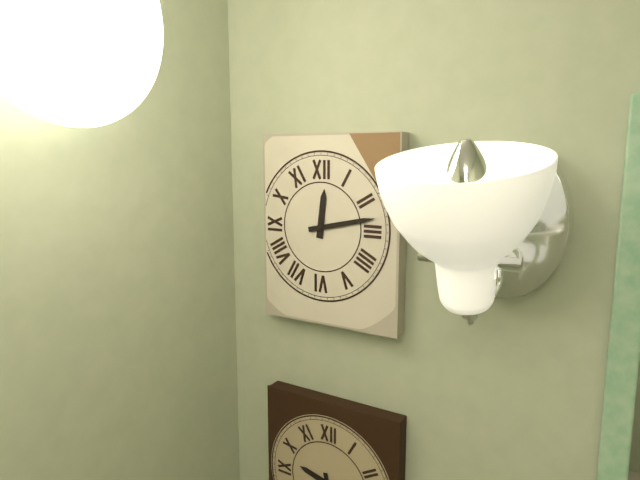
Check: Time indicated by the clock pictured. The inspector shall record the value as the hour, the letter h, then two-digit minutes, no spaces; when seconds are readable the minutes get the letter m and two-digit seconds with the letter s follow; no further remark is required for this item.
12h13
